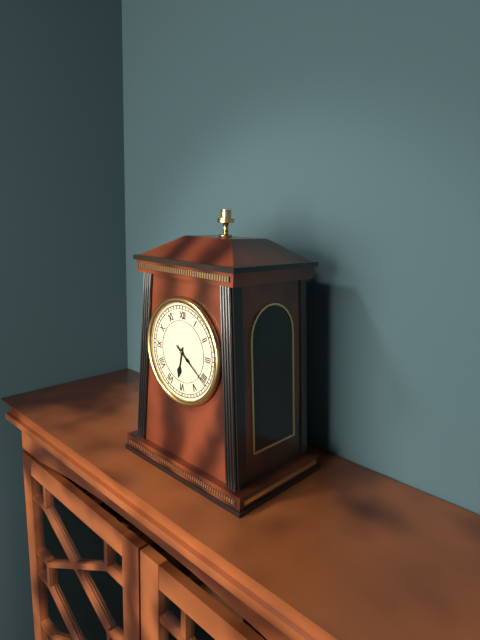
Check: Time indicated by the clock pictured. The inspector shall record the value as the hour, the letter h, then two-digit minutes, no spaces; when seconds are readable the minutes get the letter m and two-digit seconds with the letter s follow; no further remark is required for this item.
6h21
